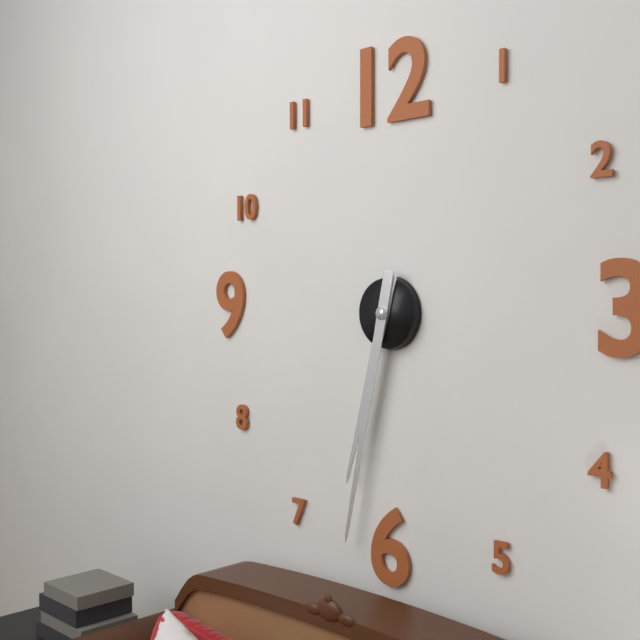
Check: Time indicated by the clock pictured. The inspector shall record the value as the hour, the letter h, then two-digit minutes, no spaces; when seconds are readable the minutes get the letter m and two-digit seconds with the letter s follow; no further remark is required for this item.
6h32
